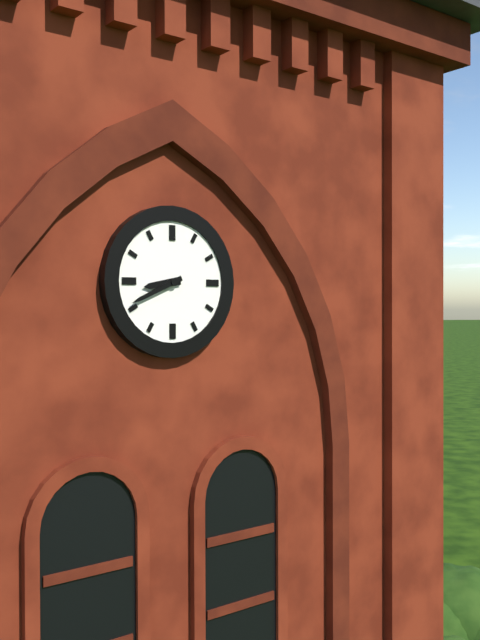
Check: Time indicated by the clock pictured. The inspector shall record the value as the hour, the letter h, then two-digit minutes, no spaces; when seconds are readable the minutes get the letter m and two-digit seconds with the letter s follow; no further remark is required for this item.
8h41
